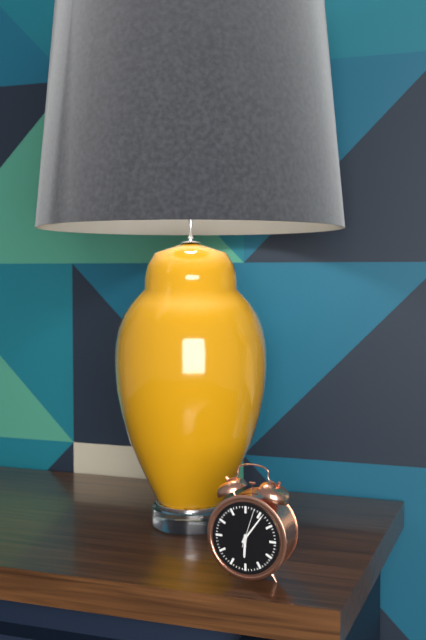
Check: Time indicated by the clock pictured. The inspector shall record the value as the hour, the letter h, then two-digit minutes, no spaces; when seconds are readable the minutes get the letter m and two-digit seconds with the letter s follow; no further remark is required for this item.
6h06
